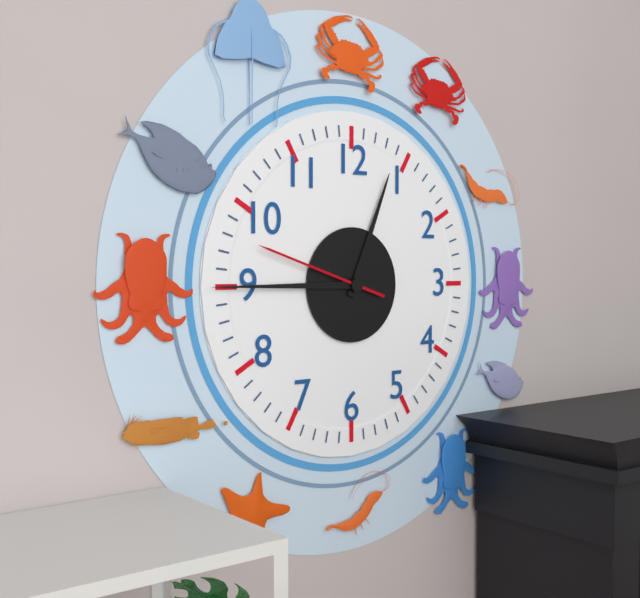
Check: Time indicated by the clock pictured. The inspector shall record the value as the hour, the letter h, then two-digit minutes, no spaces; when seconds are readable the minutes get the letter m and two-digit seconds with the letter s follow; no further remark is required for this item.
12h45m48s
